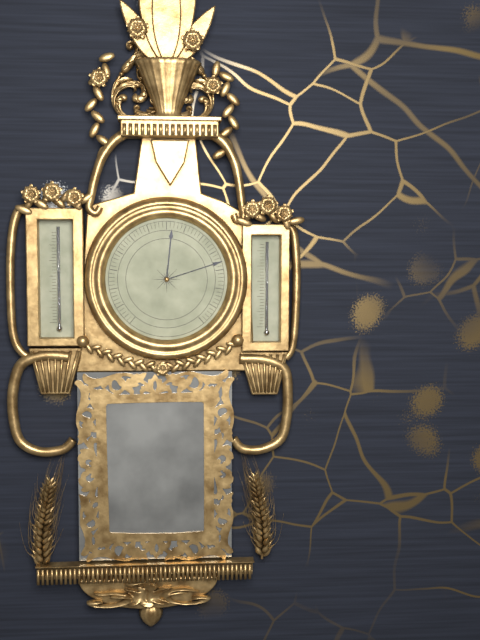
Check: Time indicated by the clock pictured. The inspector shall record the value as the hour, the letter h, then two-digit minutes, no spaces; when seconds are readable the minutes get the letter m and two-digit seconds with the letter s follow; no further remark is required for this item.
12h12
